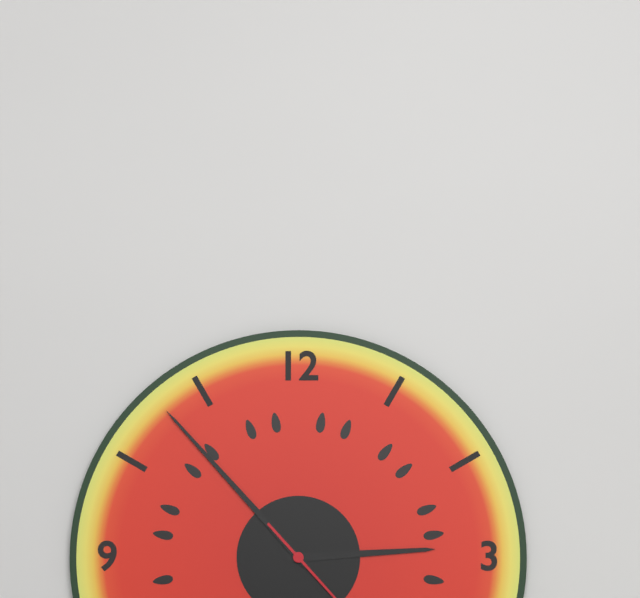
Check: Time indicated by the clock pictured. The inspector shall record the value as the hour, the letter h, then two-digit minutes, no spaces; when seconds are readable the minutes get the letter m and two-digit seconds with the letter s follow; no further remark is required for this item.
2h53
